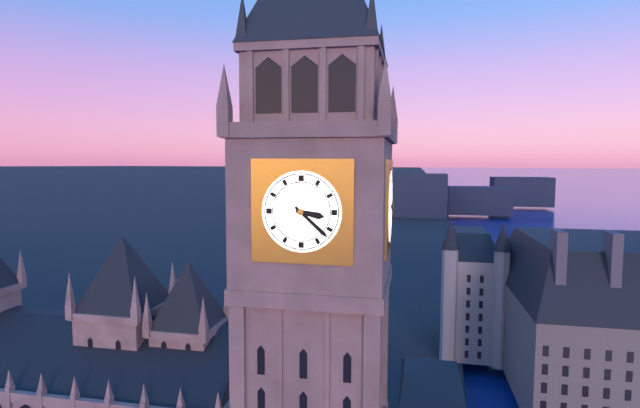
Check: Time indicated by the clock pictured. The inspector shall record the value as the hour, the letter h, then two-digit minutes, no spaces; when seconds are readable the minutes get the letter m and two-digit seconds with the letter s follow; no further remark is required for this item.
3h22
